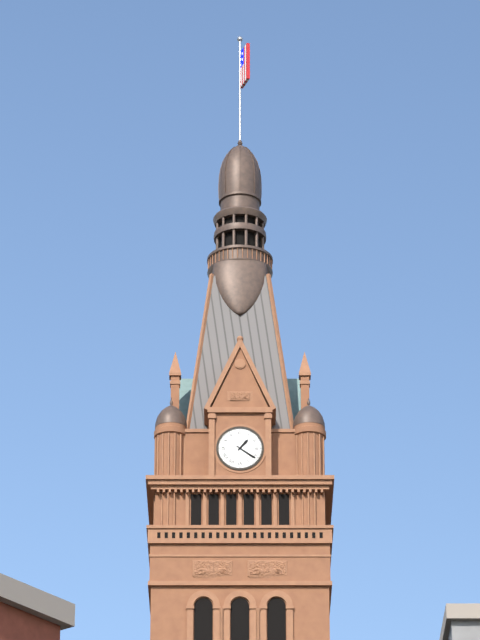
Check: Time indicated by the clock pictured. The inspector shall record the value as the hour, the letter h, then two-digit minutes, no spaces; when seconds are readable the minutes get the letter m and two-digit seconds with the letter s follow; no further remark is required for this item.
1h21
